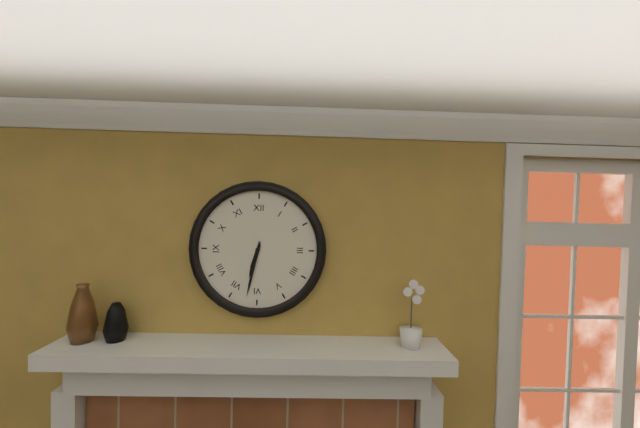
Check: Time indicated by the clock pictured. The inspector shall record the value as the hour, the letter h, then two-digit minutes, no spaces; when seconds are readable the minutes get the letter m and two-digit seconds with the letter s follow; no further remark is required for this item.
6h32
